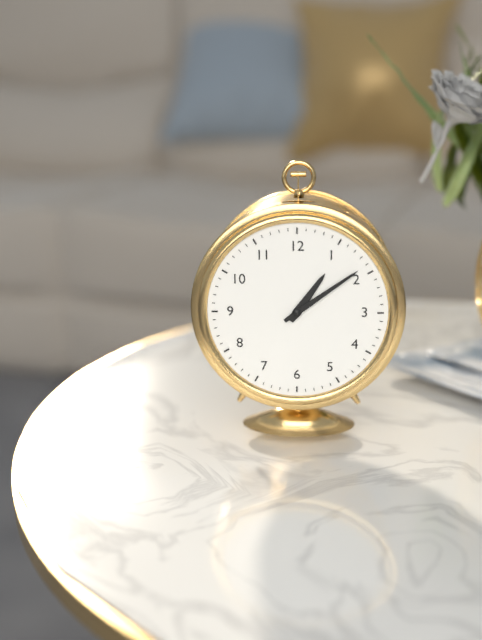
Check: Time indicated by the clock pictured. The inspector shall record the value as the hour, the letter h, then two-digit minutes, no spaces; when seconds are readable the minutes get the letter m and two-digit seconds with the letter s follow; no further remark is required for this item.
1h09
